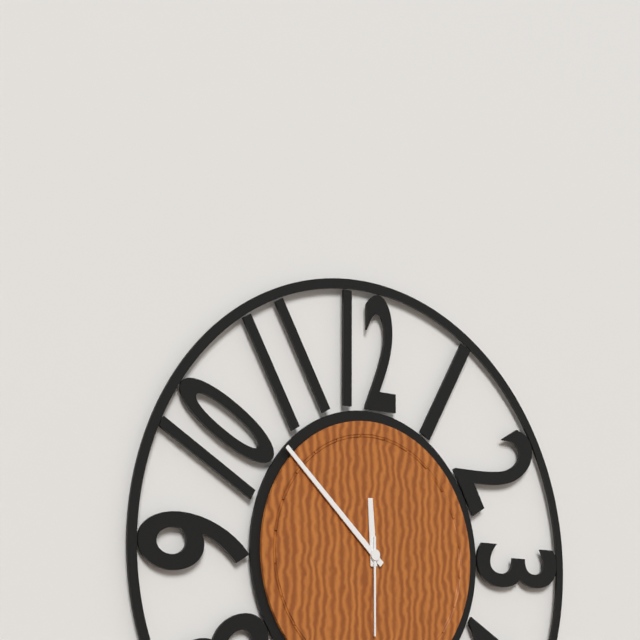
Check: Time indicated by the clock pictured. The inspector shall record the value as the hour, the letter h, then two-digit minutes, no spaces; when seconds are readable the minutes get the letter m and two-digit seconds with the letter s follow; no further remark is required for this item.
11h52m30s
